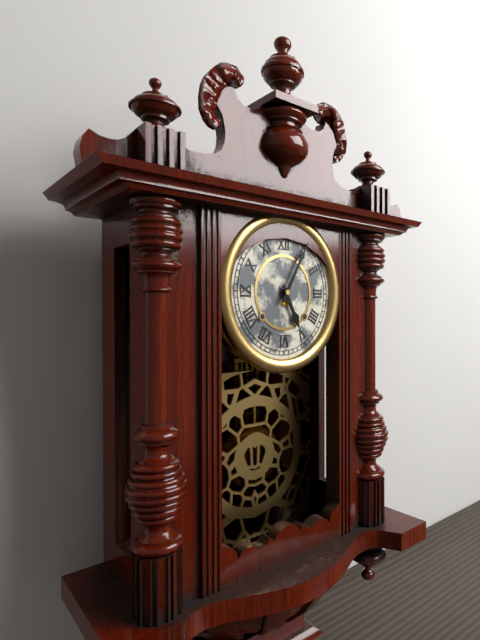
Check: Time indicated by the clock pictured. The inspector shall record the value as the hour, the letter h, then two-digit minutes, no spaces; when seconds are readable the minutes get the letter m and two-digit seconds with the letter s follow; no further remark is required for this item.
5h05
